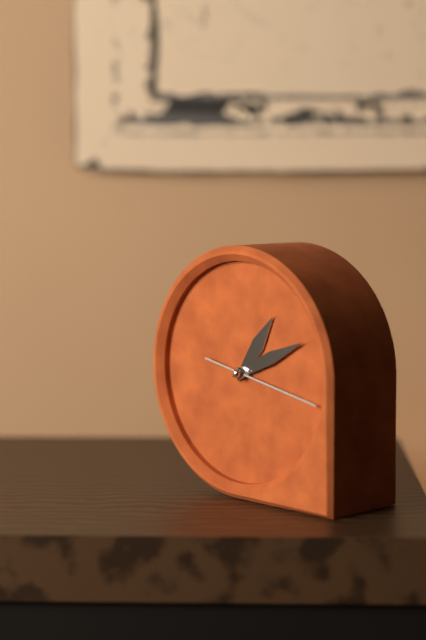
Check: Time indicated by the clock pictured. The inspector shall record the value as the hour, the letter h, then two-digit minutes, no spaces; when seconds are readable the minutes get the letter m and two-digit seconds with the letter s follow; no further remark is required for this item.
1h11m17s
